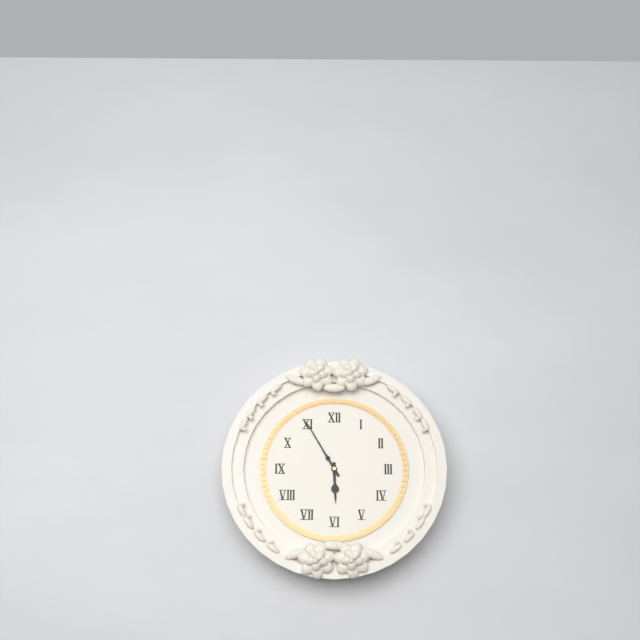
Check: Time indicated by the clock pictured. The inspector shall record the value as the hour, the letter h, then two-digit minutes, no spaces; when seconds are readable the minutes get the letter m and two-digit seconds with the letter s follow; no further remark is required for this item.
5h55
